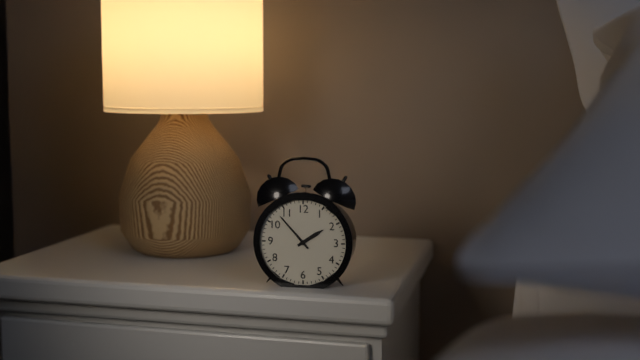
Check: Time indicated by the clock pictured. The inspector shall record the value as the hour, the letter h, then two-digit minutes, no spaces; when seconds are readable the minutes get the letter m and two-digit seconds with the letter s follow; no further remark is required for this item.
1h53
